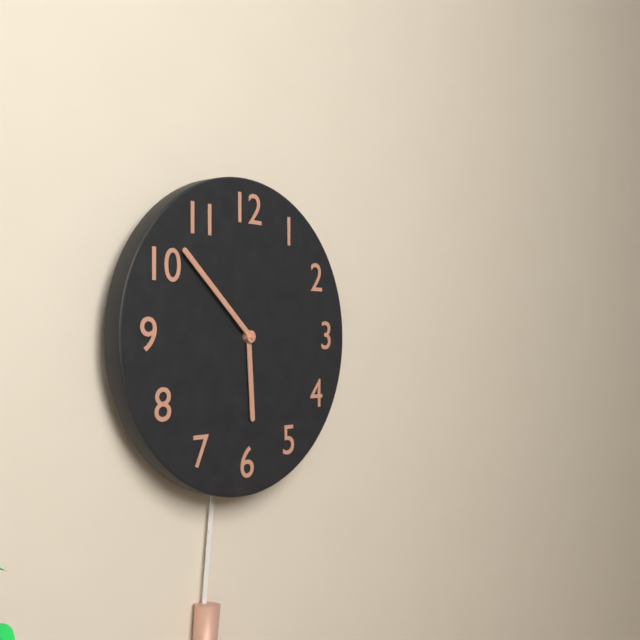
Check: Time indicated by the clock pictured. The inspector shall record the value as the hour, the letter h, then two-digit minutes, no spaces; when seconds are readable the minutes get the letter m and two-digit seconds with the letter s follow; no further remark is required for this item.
5h52
